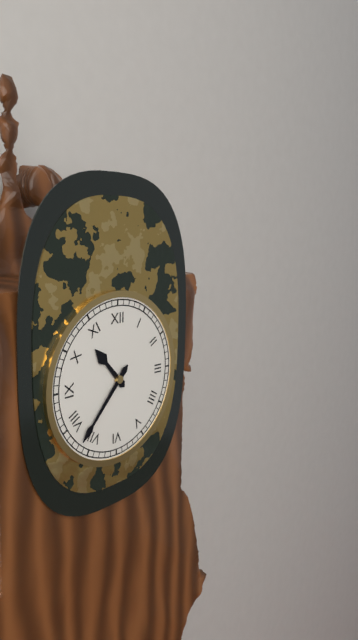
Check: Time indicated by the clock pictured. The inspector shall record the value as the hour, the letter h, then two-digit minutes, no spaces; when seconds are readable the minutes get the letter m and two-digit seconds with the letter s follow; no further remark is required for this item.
10h37
